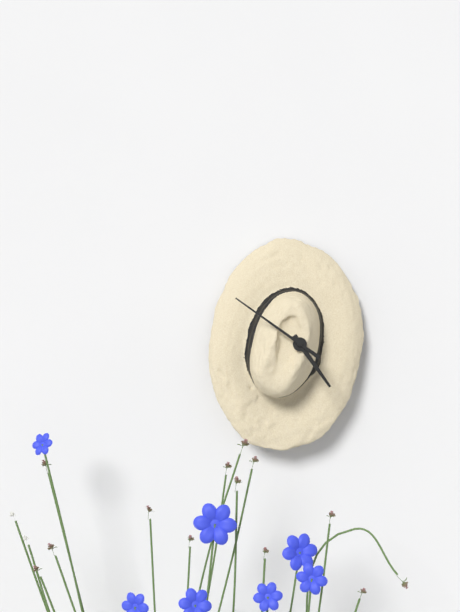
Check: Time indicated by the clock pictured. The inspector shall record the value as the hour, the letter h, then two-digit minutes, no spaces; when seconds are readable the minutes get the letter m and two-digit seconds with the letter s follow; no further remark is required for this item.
4h51
